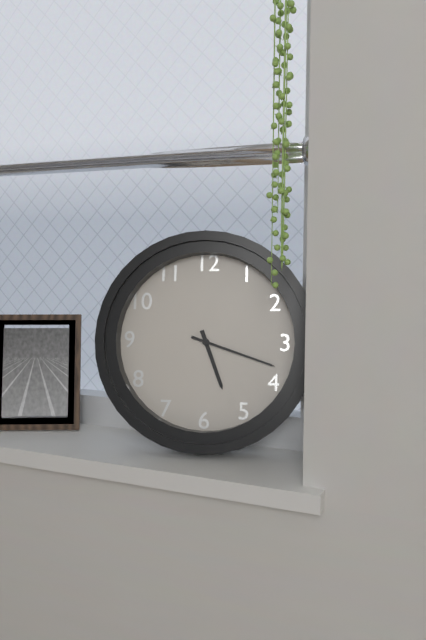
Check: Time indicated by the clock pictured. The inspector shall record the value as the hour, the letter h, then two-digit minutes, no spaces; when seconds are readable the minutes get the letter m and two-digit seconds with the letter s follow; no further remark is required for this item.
5h18
